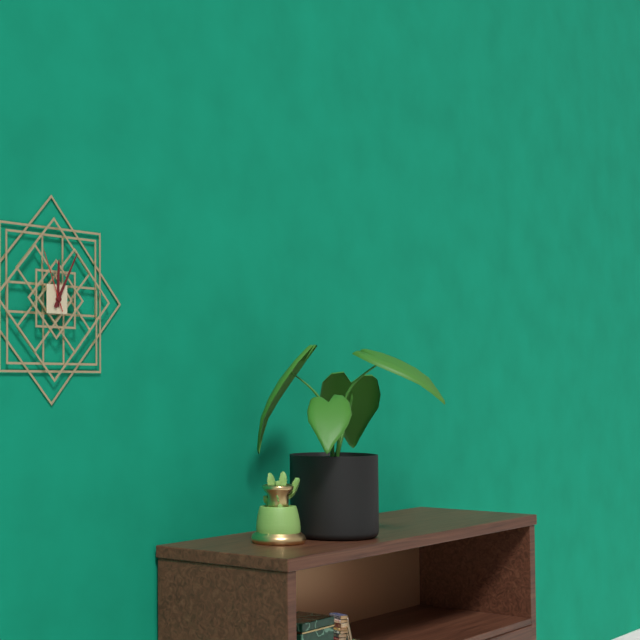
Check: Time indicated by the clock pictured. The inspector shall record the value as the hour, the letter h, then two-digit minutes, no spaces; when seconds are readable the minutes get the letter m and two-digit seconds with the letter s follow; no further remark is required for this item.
12h05m56s
